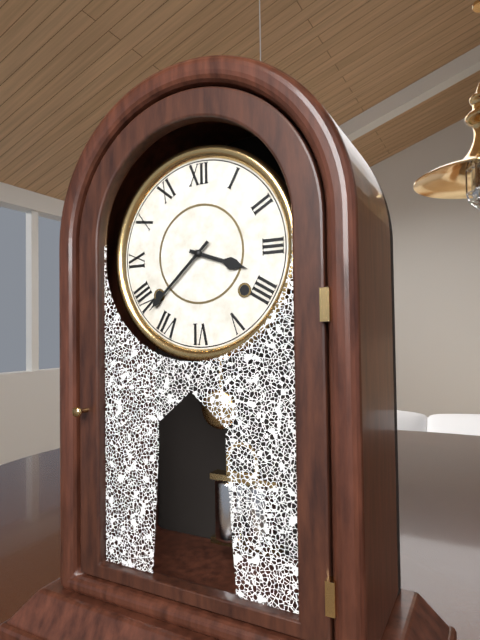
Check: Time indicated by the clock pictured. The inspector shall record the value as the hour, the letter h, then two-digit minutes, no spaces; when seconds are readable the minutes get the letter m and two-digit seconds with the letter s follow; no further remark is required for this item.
3h38
